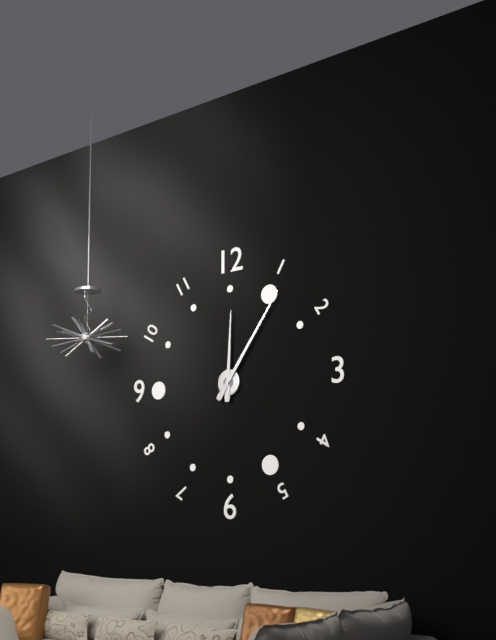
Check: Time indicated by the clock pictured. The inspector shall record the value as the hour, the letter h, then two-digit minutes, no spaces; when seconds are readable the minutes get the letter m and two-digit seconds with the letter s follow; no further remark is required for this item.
12h06
